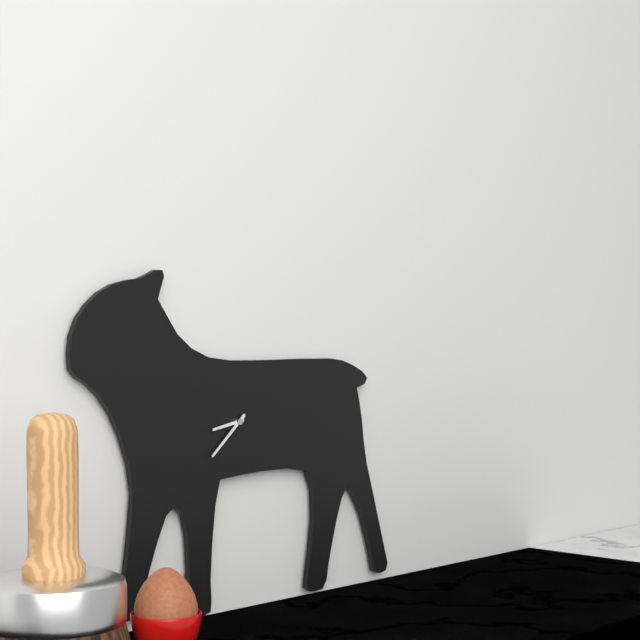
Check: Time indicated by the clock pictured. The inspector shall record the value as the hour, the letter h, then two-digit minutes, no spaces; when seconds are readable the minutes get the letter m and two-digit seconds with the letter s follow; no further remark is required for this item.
8h38
